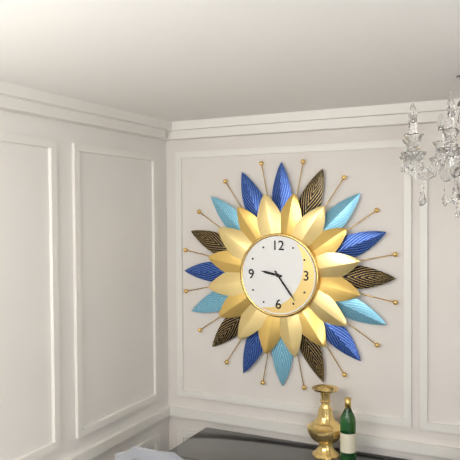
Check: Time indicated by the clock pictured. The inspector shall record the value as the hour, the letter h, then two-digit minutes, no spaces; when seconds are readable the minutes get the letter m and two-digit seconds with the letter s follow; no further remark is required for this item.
9h24
